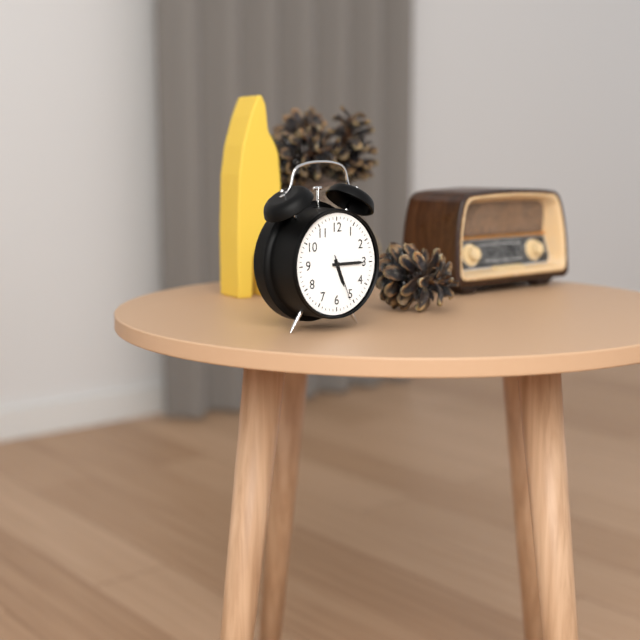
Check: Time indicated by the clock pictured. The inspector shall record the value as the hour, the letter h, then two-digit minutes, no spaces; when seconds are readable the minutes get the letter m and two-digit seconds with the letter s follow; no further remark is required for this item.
5h15
